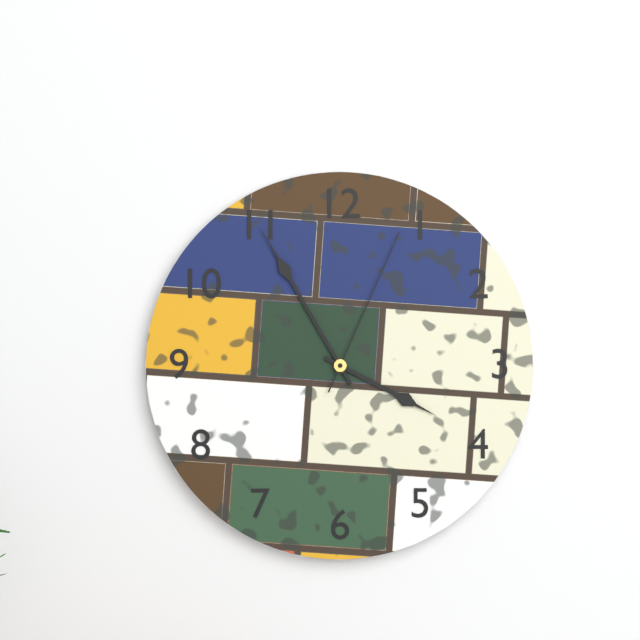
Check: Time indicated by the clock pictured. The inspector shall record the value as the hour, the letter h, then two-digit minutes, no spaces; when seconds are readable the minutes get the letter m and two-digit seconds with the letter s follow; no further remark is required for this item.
3h55m04s
